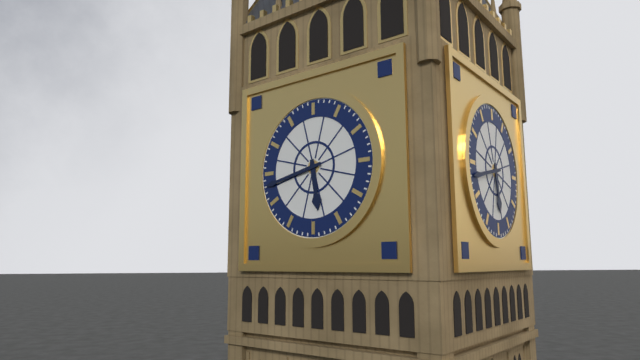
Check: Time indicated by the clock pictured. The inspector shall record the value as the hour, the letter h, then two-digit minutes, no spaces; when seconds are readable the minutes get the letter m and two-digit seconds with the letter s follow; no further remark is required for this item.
5h43
